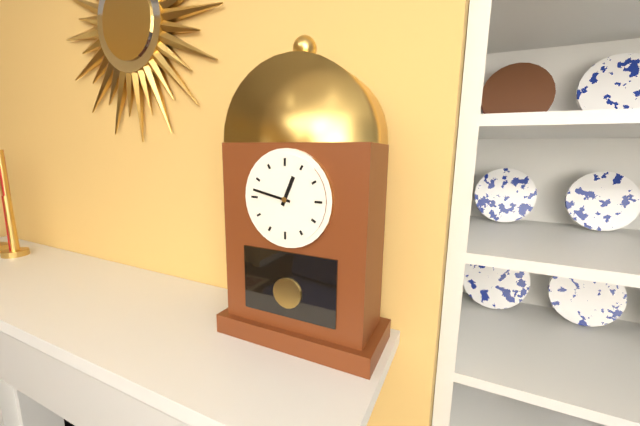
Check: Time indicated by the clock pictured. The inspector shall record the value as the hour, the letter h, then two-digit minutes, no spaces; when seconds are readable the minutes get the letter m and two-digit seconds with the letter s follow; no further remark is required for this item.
12h47
